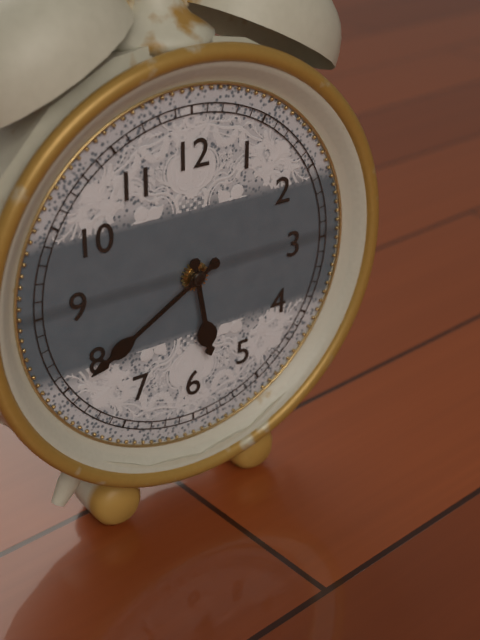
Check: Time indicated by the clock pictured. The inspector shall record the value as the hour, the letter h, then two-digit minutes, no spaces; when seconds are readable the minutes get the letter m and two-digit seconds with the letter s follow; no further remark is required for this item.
5h40
